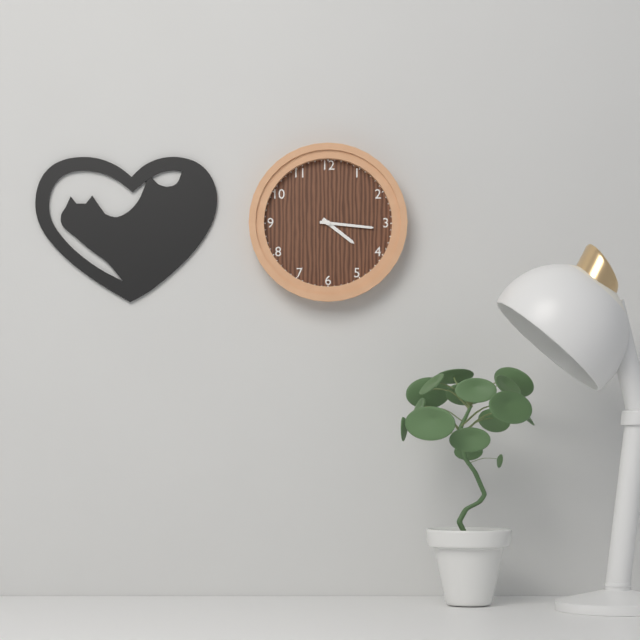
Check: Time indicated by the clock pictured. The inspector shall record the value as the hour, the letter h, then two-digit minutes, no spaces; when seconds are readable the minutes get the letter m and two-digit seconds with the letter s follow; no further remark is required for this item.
4h16
